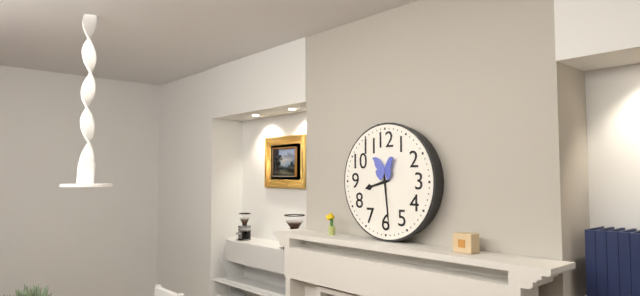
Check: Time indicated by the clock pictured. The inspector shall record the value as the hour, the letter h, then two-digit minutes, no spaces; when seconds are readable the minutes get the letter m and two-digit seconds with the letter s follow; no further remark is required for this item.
8h29
